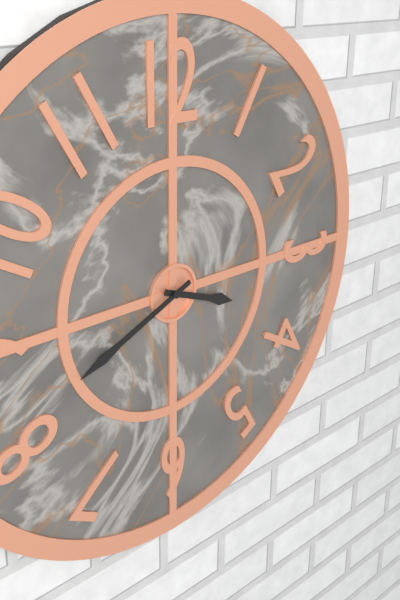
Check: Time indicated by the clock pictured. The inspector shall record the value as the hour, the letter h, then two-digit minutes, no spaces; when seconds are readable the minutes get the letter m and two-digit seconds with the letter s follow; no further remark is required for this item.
3h41
